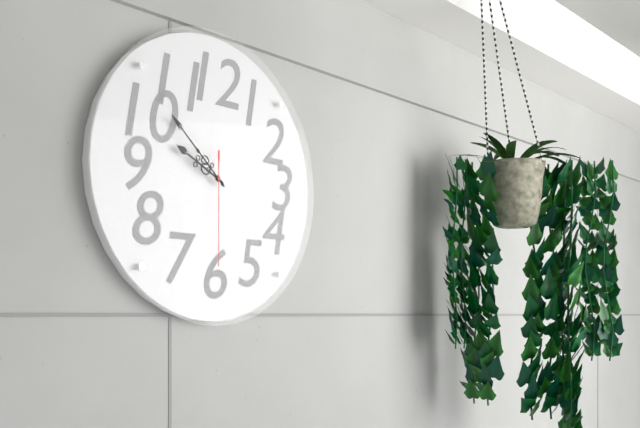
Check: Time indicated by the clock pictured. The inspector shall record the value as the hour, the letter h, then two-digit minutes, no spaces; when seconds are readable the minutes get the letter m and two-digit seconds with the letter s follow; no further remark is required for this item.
9h52m30s
